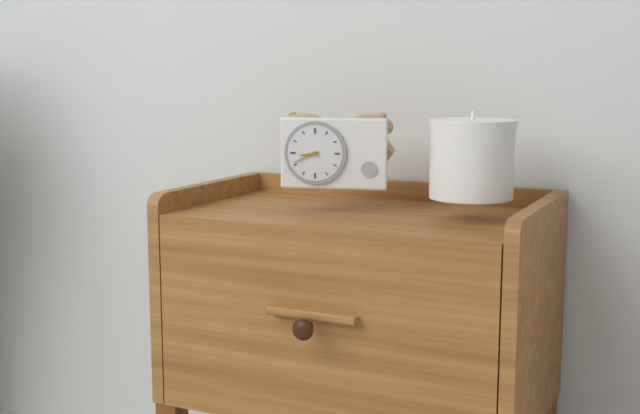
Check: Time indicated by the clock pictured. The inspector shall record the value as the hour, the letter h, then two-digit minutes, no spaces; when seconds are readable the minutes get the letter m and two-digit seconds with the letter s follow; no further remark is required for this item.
8h41
